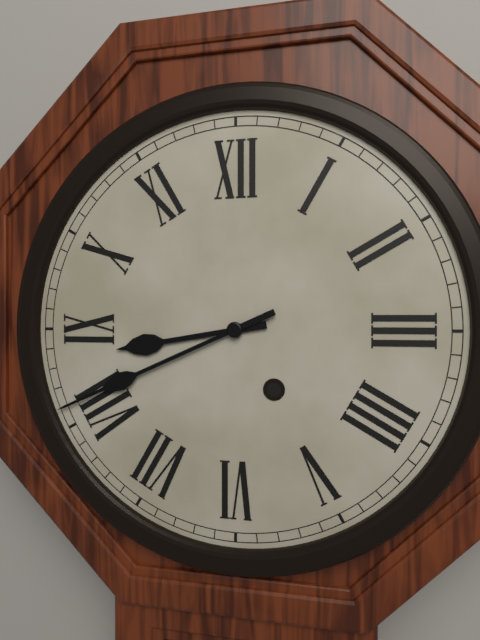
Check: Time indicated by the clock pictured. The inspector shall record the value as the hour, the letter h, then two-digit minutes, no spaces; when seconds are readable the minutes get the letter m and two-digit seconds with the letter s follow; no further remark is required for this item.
8h41
